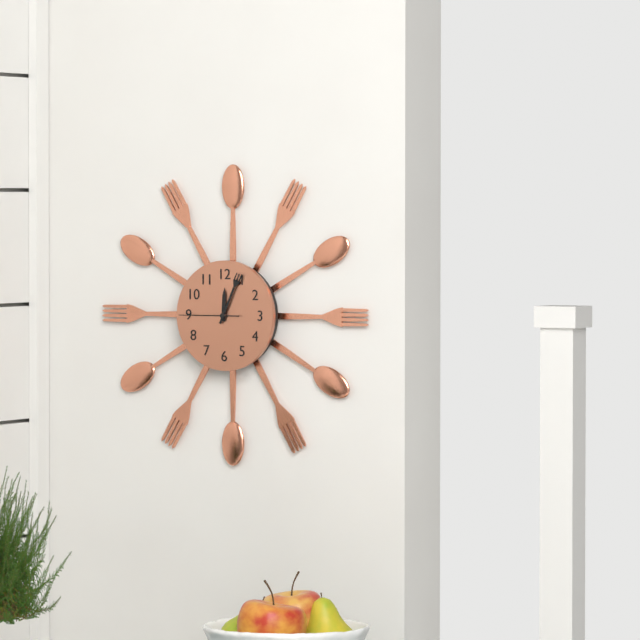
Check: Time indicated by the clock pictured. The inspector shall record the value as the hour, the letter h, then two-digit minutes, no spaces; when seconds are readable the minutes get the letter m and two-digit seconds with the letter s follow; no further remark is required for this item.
12h04m45s
